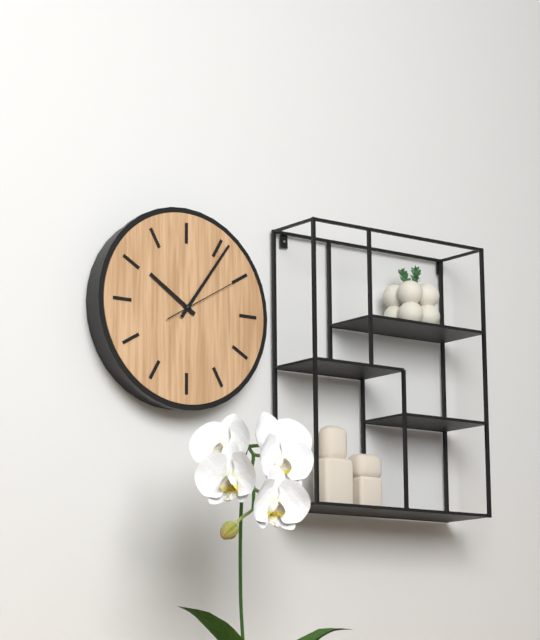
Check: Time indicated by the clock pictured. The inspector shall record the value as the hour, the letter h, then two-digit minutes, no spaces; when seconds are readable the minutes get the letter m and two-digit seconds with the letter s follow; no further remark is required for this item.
10h06m10s
